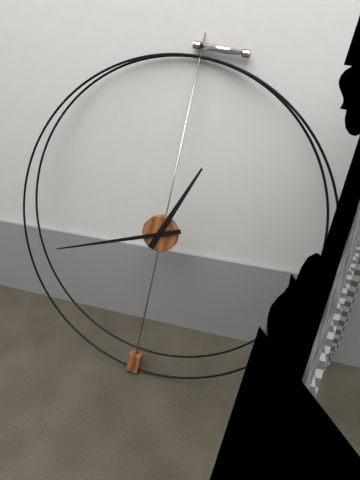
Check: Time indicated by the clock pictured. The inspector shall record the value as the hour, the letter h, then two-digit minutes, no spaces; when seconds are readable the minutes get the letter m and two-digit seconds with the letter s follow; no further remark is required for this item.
12h41
